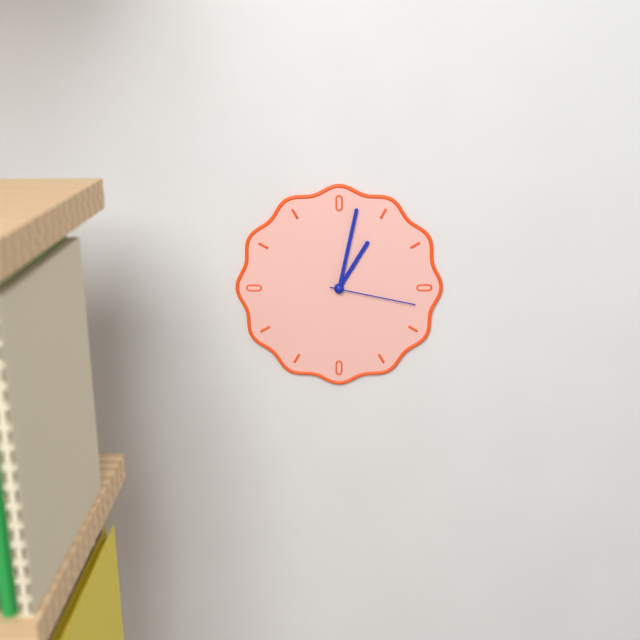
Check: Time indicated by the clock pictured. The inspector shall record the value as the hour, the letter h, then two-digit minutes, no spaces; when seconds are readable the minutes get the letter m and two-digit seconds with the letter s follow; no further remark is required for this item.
1h02m17s
